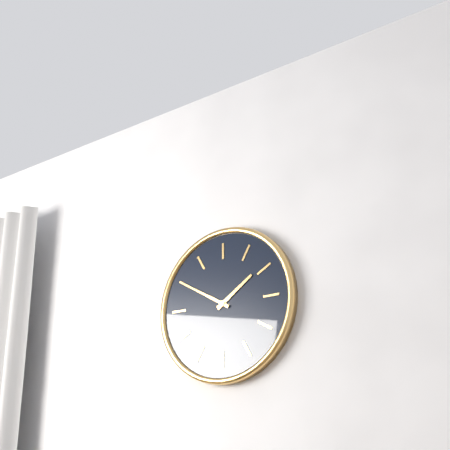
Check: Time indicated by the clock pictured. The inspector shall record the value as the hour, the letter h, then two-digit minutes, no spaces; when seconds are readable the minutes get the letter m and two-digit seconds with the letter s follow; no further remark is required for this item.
1h50
